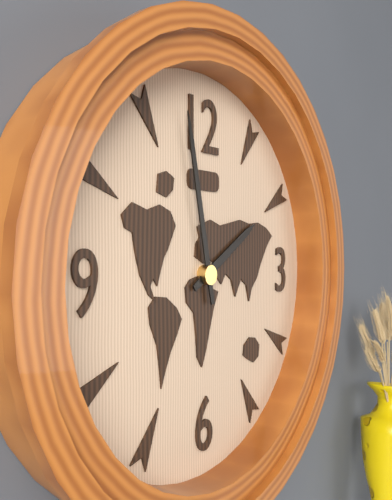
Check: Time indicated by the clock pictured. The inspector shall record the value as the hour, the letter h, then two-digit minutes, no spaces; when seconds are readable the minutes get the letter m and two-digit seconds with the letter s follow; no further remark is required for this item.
1h58
